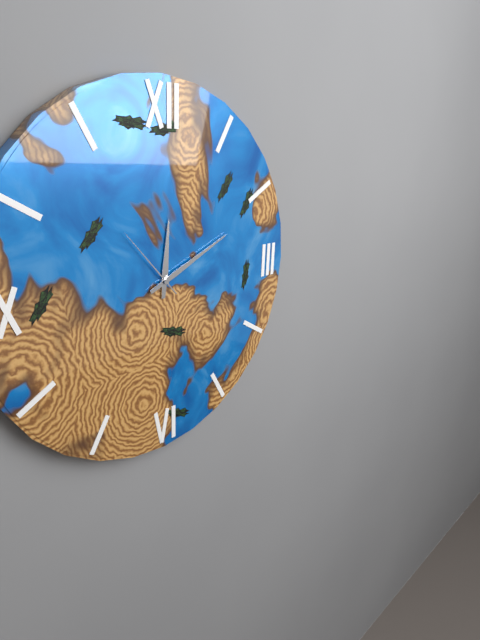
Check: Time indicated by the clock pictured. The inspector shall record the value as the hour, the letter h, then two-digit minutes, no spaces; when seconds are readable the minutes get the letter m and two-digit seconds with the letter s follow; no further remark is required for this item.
12h11m53s
